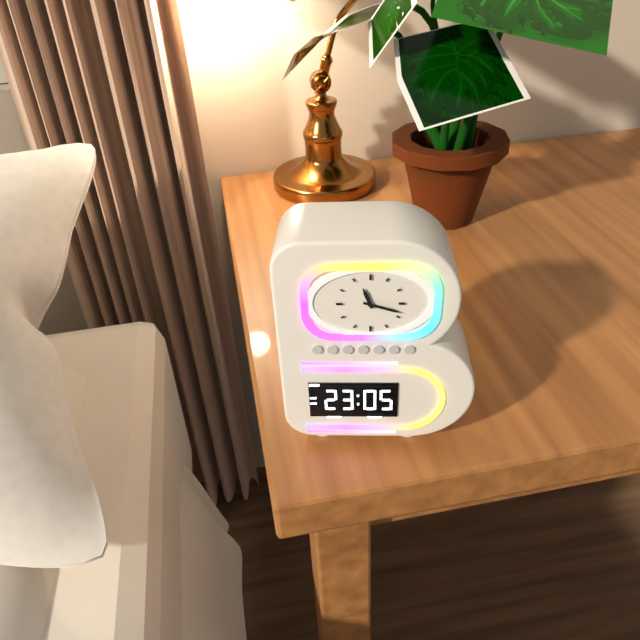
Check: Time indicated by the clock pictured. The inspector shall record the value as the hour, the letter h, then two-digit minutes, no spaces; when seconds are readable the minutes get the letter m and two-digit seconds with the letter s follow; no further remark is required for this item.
11h18
